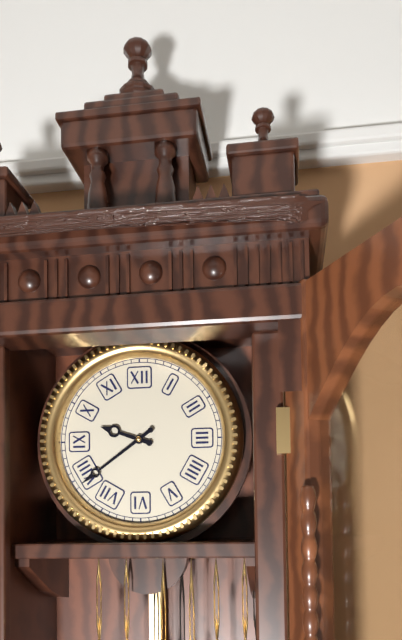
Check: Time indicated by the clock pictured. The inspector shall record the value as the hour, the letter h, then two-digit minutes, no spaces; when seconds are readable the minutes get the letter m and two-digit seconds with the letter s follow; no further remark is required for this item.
9h39
